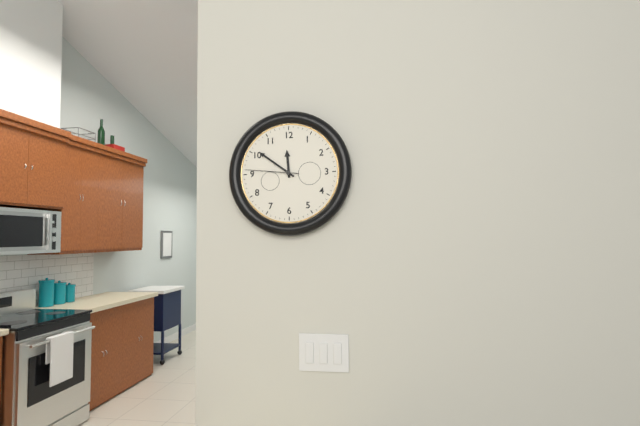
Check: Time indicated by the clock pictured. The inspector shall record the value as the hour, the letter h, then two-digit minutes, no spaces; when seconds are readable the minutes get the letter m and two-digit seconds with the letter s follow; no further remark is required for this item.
11h51m46s
